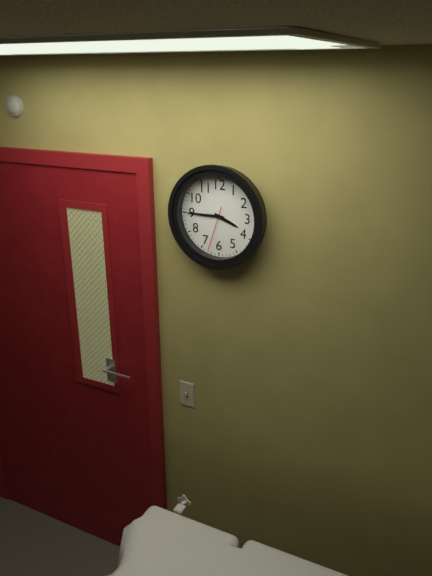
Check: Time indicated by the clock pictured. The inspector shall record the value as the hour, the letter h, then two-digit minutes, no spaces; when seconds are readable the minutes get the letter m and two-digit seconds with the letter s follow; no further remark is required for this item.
3h45
